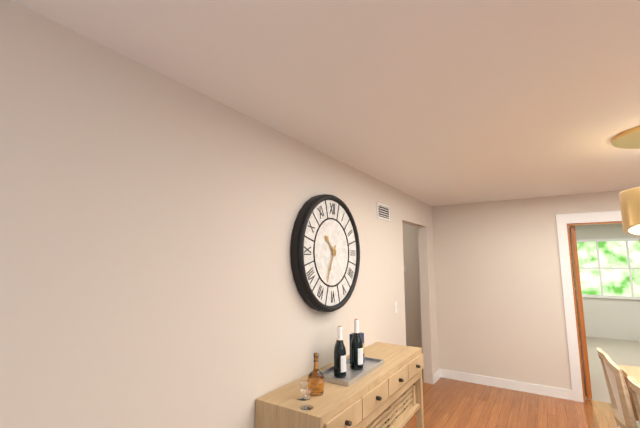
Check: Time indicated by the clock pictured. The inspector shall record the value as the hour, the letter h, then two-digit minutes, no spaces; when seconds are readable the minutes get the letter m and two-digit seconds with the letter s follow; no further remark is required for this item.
10h34
